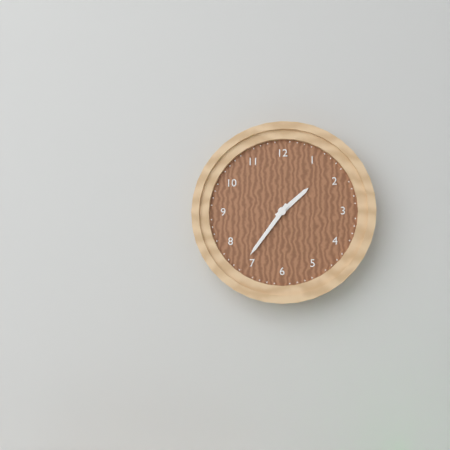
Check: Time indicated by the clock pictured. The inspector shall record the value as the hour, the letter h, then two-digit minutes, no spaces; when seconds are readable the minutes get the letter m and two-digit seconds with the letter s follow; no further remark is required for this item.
1h36
